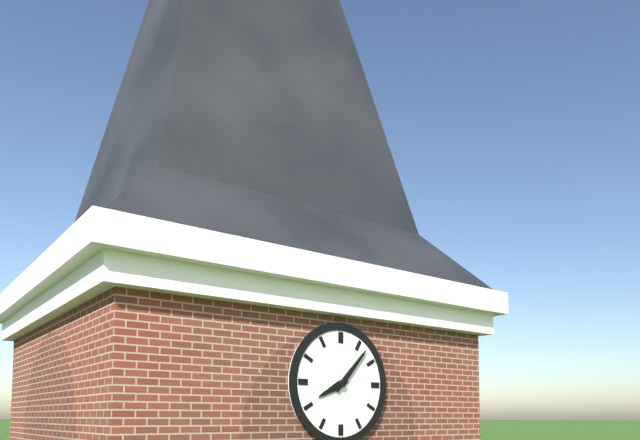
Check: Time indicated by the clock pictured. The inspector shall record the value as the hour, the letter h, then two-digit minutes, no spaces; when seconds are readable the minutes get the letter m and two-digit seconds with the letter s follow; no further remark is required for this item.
8h07
